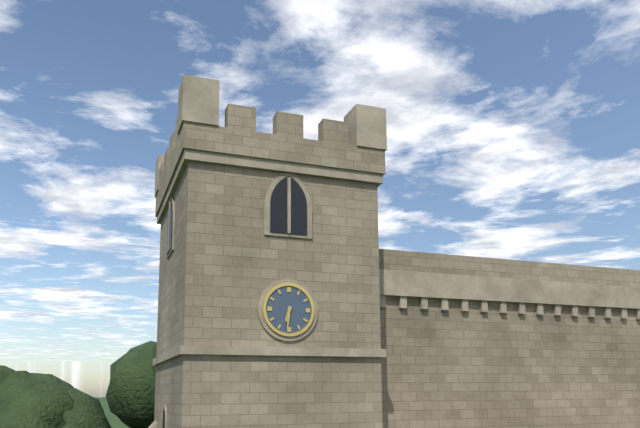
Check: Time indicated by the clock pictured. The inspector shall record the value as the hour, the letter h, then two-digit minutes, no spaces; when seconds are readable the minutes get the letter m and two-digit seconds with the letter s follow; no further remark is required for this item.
6h31
